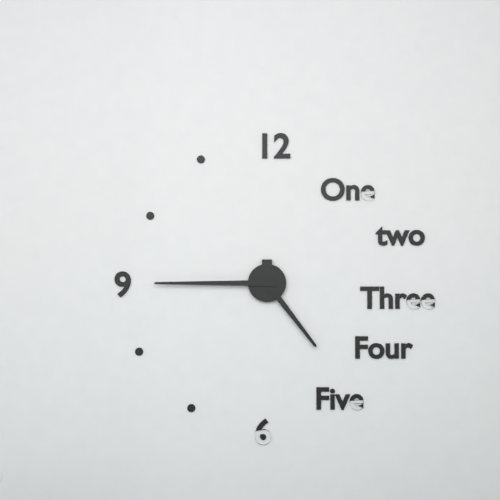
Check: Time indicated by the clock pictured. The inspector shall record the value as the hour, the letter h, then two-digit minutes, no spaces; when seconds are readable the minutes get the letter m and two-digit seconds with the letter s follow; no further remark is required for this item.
4h45
